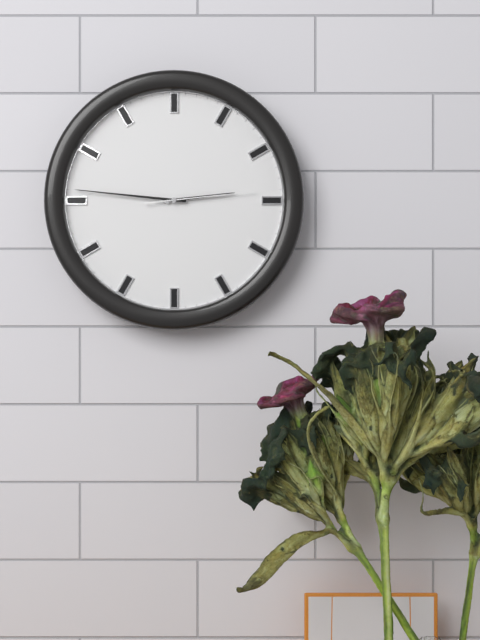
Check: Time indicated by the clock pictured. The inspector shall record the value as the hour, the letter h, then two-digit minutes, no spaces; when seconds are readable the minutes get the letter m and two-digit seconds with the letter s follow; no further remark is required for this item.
2h46m14s
